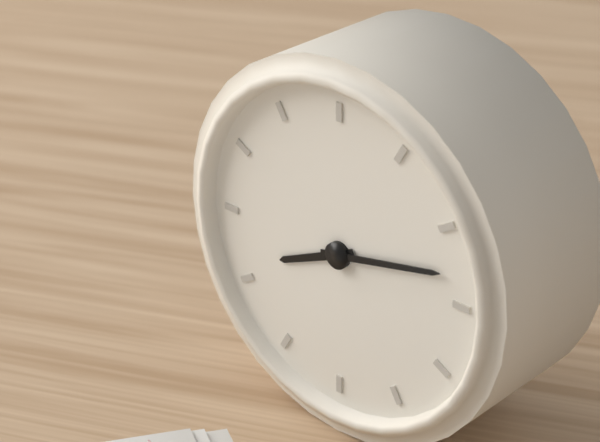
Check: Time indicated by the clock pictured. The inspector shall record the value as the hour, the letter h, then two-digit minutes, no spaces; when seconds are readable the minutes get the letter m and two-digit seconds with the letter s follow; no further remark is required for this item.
8h13
